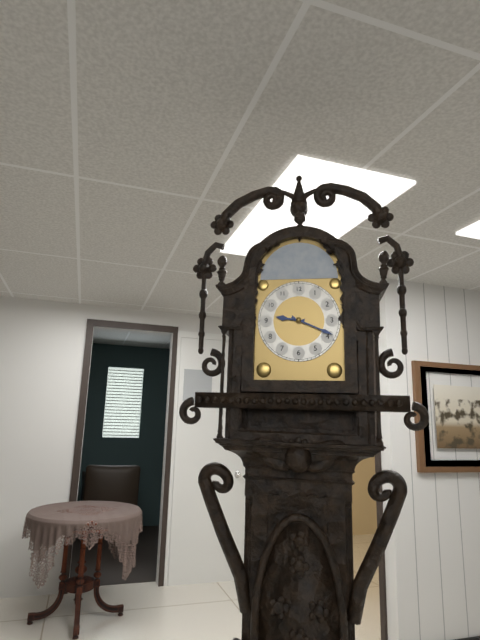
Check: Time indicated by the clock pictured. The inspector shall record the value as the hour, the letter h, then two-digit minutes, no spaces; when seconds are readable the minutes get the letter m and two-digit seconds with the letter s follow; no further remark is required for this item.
9h19
